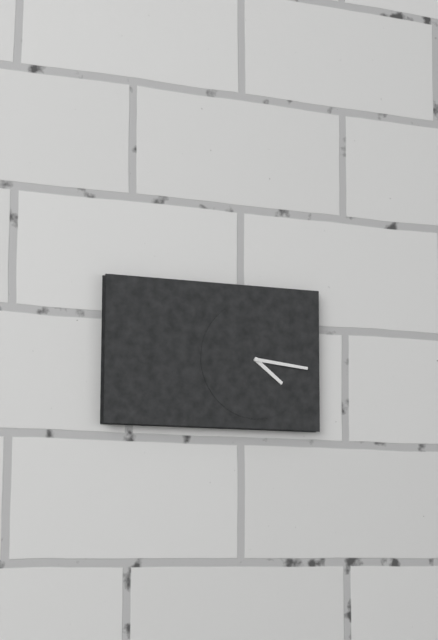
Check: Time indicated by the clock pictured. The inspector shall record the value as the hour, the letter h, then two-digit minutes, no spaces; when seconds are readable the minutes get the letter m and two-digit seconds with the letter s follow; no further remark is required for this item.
4h16
